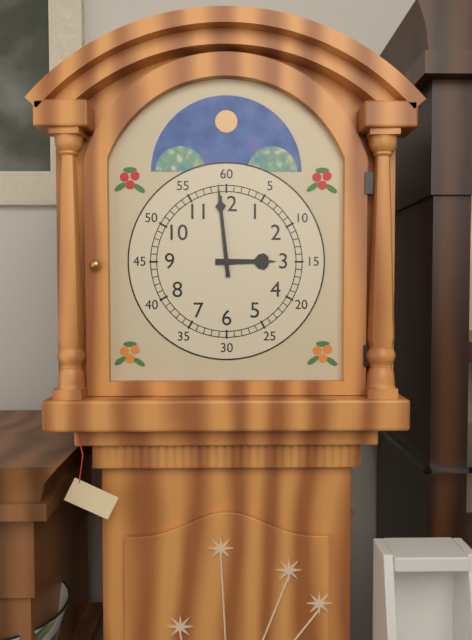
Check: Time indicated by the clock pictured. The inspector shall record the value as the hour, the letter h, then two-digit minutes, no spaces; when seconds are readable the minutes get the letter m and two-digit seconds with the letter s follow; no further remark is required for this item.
2h59
